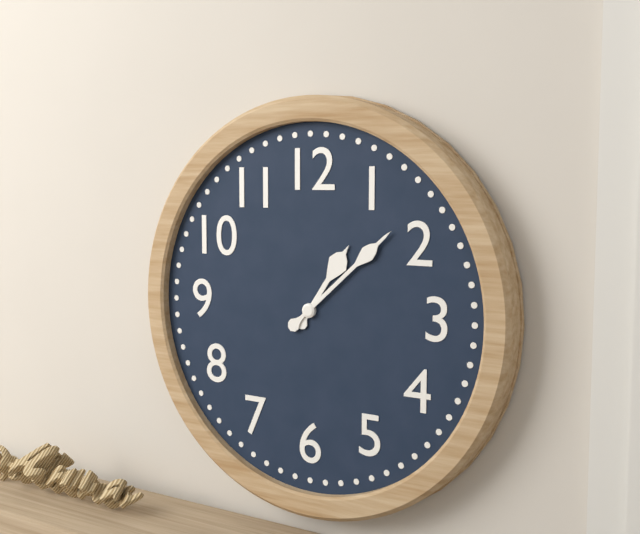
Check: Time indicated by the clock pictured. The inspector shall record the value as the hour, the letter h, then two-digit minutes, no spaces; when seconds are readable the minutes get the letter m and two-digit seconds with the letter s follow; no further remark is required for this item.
1h08
